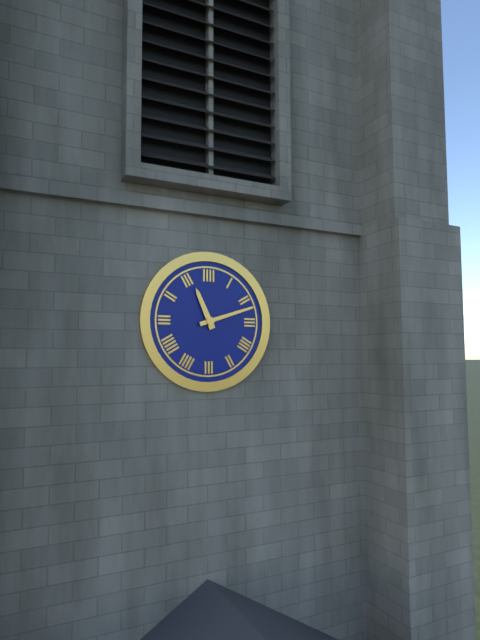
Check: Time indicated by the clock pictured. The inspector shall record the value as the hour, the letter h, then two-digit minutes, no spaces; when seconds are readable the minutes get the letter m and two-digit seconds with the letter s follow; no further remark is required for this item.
11h12
